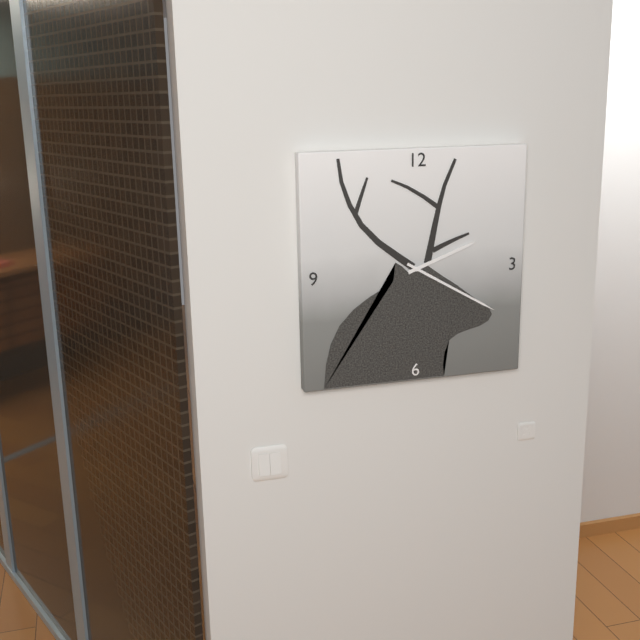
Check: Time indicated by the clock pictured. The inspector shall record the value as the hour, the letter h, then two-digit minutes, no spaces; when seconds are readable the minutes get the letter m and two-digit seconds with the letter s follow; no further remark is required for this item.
2h20
